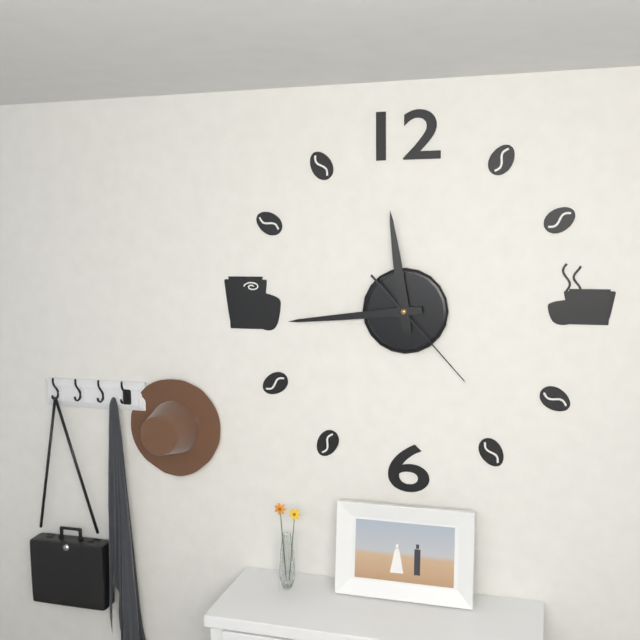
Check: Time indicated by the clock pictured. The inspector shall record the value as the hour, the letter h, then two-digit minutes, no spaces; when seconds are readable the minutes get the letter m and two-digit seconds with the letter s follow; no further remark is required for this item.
11h44m23s
